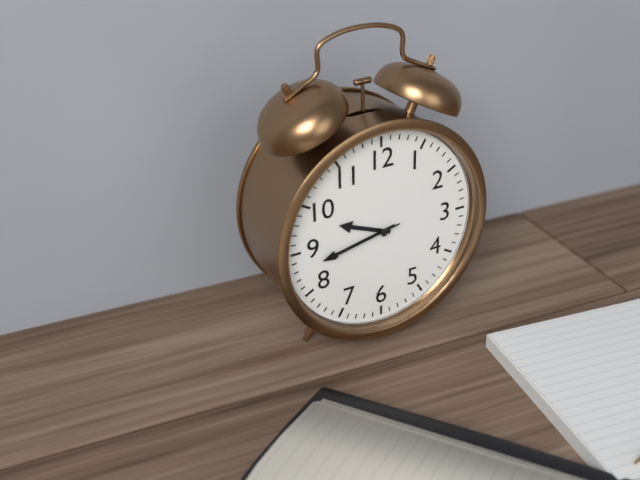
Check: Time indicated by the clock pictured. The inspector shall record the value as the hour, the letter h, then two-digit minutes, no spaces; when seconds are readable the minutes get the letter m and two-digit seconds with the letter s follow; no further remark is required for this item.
9h43m43s
